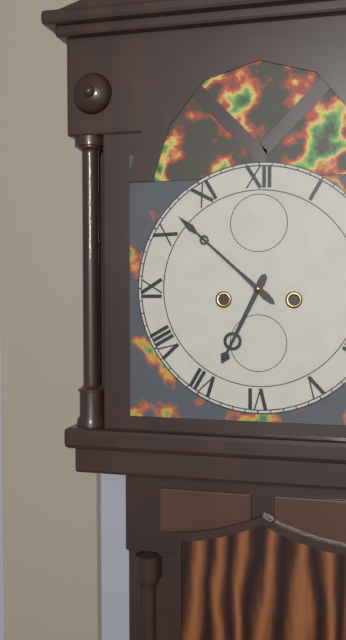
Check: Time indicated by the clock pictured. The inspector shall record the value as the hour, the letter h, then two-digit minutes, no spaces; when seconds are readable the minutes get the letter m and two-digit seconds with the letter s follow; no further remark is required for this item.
6h52
